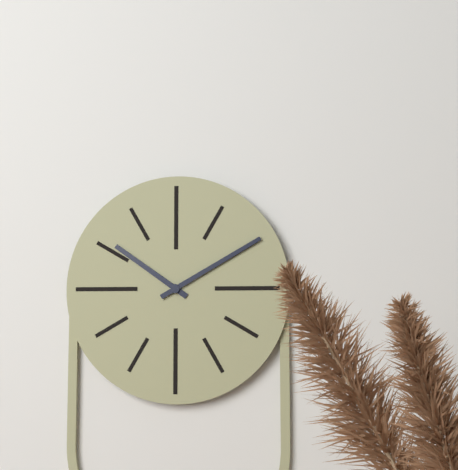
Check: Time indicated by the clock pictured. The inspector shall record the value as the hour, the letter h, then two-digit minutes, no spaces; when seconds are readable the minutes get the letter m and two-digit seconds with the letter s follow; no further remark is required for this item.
10h10
